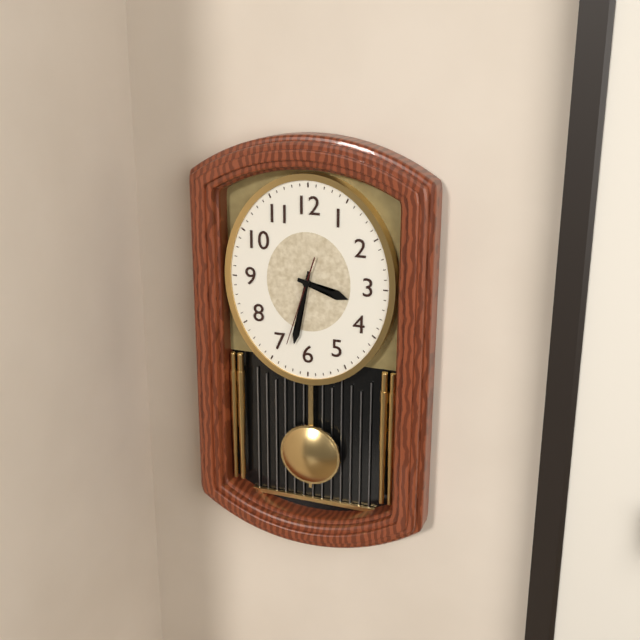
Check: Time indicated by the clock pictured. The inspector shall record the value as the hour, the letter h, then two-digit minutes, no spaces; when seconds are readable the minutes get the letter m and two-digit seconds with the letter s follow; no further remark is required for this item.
3h32m33s
